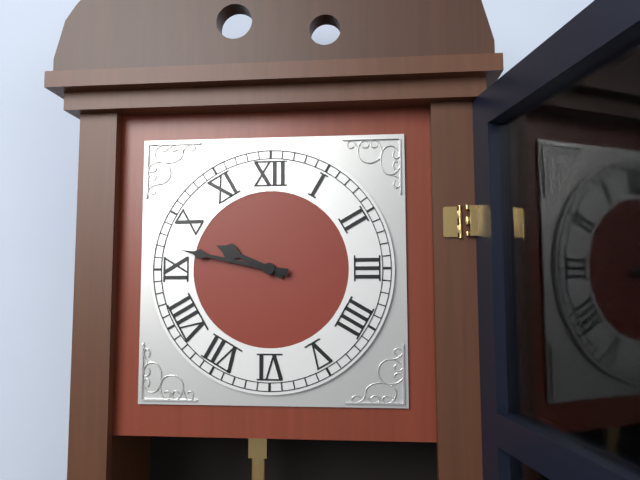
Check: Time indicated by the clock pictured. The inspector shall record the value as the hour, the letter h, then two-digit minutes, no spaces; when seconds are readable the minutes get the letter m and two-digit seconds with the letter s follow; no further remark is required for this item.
9h47
